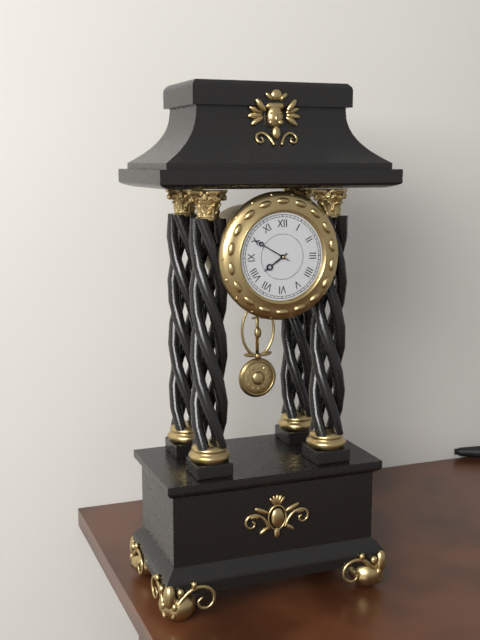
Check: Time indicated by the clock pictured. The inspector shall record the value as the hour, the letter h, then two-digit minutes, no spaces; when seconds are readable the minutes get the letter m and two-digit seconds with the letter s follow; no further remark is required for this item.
7h50
